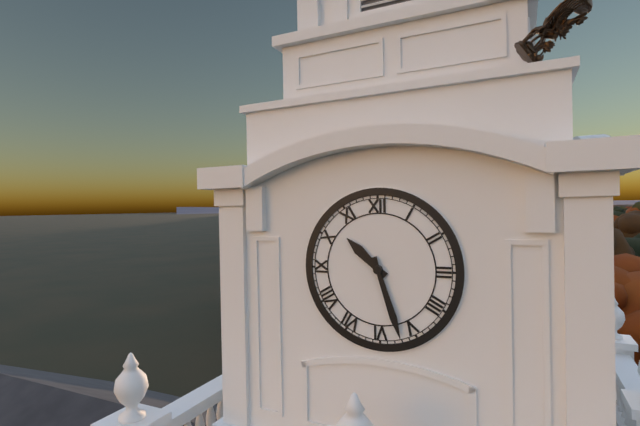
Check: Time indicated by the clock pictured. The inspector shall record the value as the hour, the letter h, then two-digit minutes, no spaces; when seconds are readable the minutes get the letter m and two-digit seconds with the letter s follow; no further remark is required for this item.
10h27
